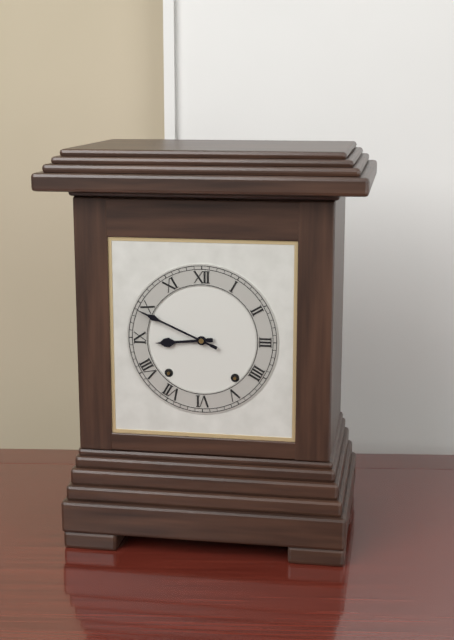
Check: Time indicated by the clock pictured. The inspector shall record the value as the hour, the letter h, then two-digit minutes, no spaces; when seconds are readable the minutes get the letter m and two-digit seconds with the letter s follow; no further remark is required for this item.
8h49
